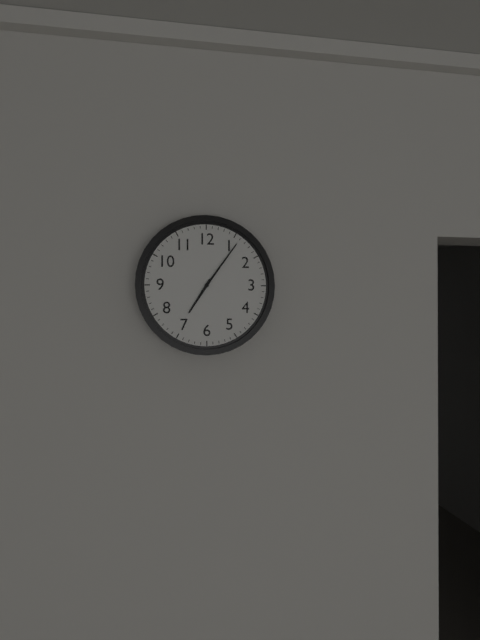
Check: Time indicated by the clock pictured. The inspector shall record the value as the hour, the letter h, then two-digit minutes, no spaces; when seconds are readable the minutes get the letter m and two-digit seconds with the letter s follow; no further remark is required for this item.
7h06
